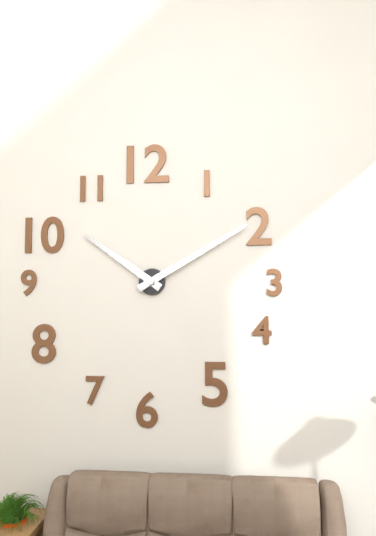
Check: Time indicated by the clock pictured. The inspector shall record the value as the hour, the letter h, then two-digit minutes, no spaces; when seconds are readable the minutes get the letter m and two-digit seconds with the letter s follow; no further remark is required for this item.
10h10
